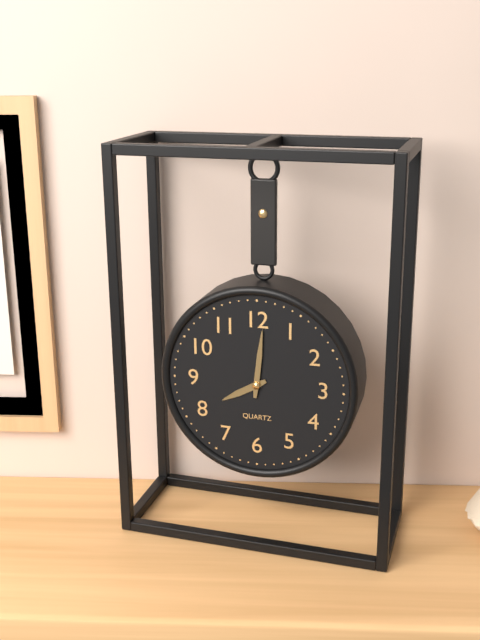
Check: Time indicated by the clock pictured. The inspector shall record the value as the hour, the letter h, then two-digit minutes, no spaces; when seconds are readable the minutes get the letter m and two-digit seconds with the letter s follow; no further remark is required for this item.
8h01
